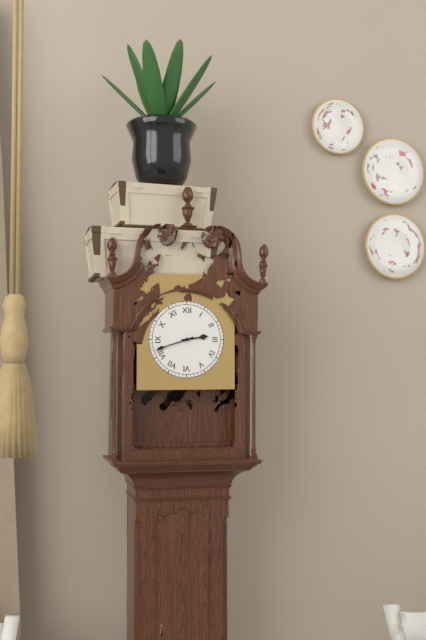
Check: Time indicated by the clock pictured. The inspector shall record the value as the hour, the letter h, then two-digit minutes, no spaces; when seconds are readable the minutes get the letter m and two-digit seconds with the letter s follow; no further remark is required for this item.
2h42
